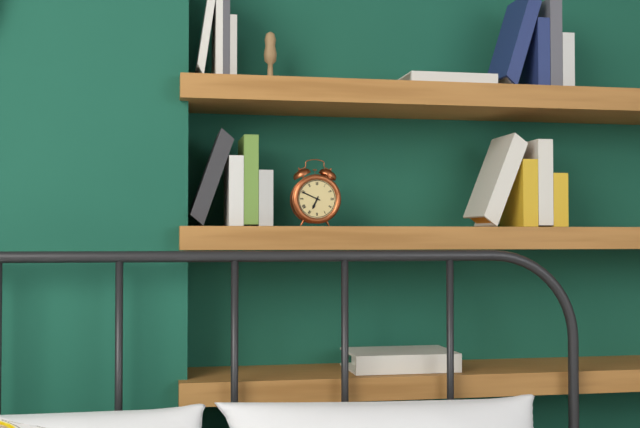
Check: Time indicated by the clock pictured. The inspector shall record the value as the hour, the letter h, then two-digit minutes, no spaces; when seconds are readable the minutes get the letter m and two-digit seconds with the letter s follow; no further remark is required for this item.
6h49
